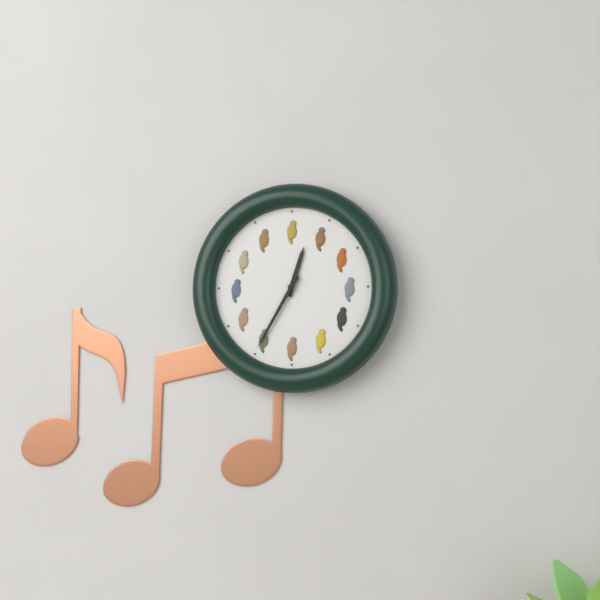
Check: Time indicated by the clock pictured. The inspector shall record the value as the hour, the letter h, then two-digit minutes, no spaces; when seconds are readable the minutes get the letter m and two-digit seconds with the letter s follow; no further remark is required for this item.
12h35
